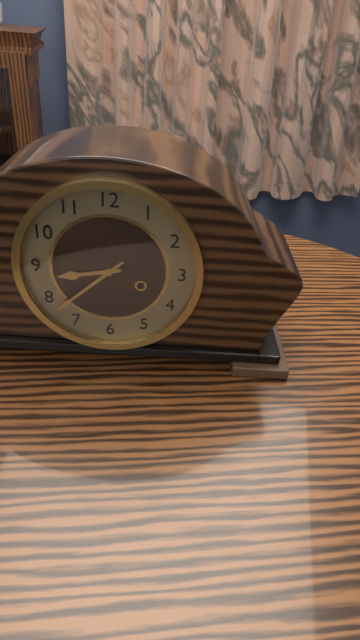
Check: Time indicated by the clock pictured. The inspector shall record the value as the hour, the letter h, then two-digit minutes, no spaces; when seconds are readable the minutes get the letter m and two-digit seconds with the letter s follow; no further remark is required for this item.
8h38
